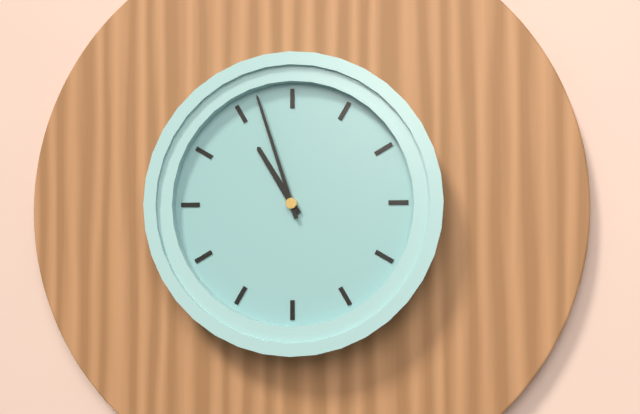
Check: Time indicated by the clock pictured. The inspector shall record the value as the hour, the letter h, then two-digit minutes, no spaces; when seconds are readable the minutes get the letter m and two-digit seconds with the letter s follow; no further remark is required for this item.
10h57
